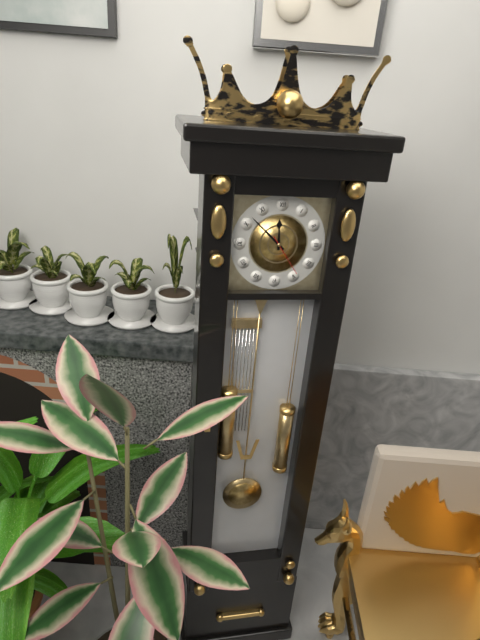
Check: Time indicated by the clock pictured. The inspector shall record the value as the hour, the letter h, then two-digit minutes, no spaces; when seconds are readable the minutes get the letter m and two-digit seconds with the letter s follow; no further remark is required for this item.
11h52
